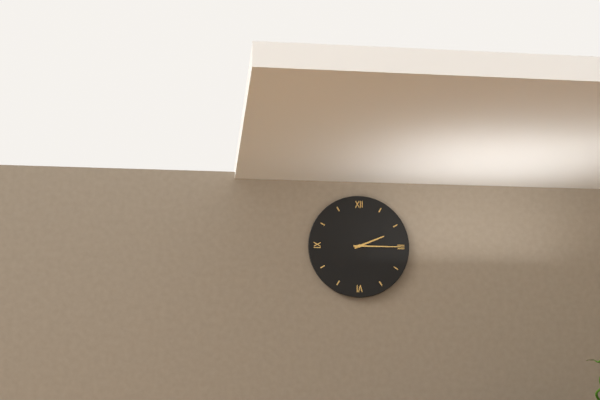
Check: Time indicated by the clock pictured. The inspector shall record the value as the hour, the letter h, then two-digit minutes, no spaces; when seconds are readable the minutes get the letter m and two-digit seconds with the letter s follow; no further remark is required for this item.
2h15
